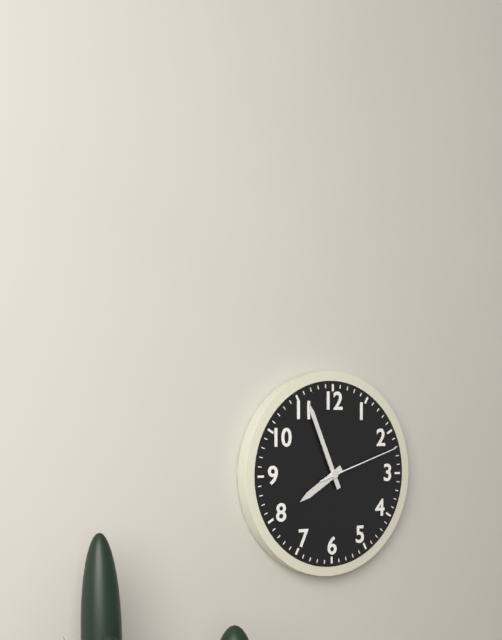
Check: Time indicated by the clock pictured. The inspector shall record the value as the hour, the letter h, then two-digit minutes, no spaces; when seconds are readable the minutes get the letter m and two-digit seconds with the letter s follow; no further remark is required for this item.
7h56m12s
